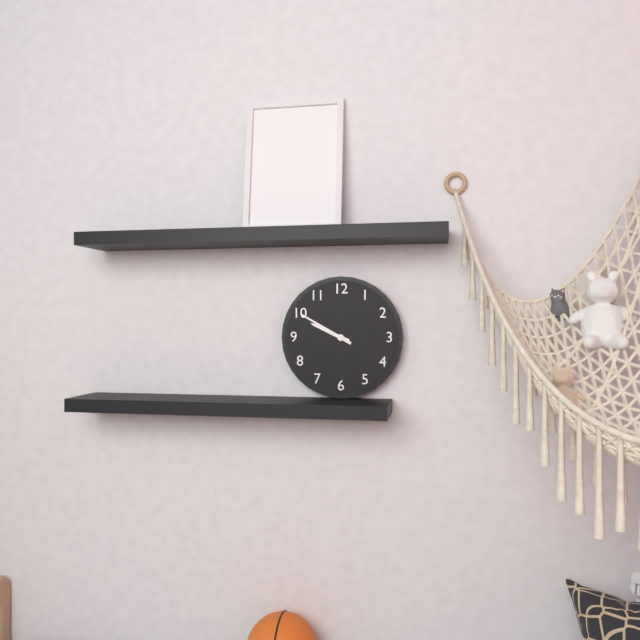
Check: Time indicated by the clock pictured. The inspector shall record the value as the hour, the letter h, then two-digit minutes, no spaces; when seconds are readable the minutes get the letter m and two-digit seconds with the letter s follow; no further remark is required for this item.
9h50
